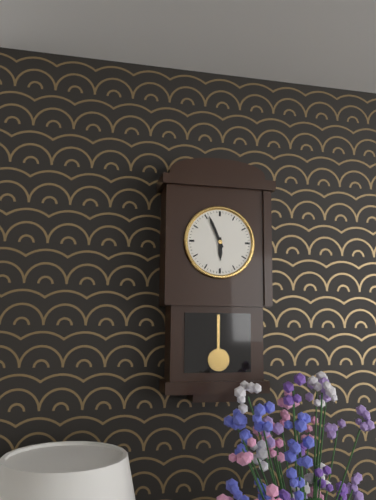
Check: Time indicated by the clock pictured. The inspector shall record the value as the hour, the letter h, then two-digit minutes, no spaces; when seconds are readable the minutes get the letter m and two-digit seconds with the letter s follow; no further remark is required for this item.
5h56
